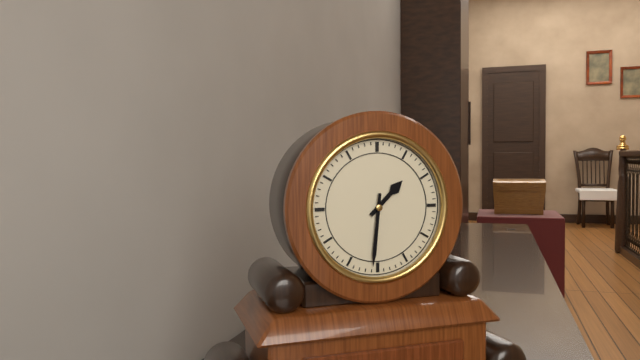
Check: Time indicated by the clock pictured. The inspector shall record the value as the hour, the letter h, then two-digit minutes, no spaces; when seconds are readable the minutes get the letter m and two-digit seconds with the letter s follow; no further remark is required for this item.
1h31
